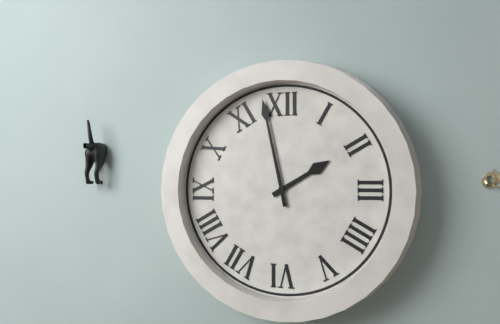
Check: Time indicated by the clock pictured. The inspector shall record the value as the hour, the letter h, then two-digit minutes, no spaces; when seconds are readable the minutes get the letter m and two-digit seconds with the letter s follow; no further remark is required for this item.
1h58
